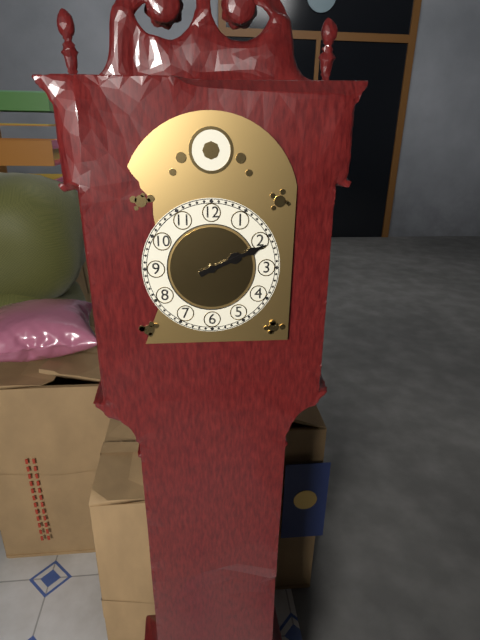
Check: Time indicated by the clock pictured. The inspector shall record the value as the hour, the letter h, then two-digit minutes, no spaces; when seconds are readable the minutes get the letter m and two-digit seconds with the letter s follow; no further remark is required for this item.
2h11
